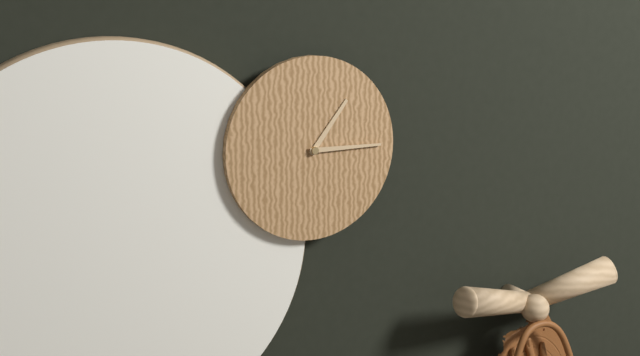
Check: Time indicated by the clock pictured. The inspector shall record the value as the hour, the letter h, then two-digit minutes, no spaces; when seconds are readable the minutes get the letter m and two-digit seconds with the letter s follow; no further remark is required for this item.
1h15
